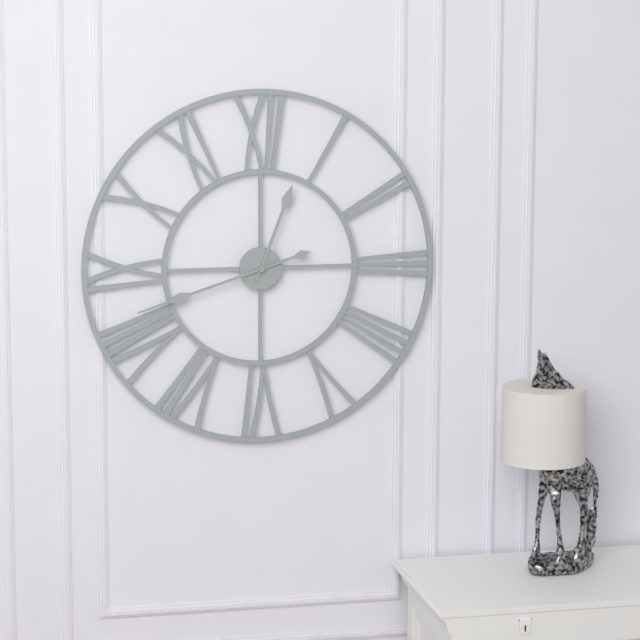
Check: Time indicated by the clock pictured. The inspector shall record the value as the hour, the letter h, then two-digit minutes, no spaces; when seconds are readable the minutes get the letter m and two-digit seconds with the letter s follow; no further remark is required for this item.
12h42
